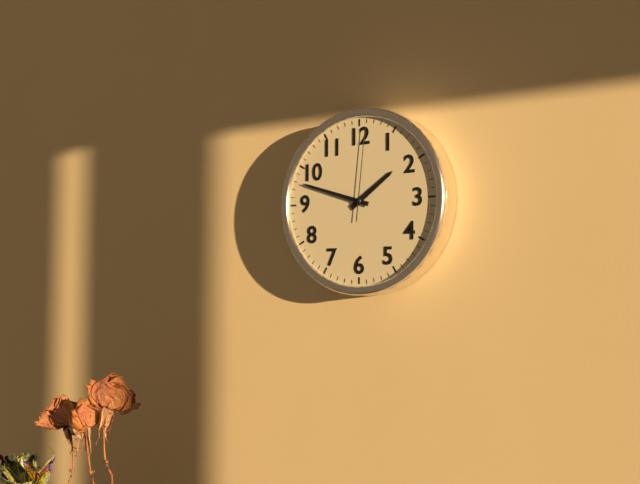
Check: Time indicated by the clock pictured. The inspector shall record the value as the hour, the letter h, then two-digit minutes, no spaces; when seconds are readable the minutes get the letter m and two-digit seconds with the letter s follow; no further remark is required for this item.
1h48m01s
